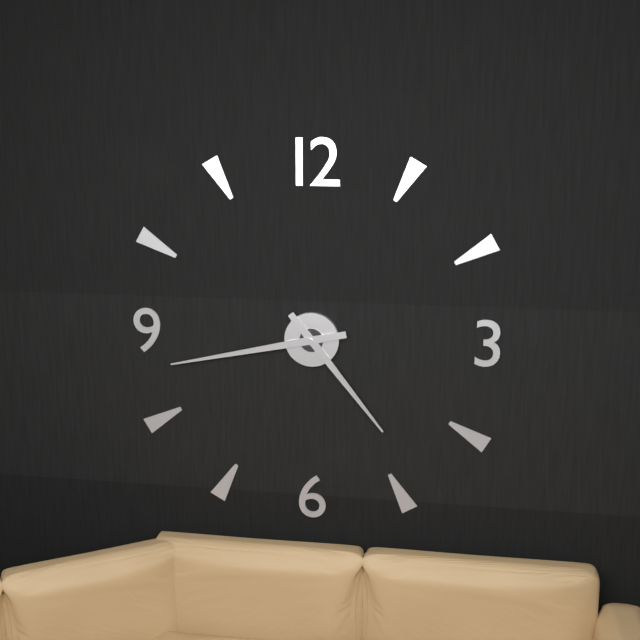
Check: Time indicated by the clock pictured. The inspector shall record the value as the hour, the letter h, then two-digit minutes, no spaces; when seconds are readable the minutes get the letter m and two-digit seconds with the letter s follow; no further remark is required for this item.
4h43
